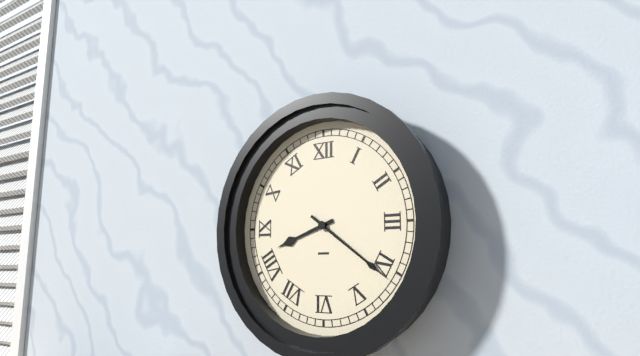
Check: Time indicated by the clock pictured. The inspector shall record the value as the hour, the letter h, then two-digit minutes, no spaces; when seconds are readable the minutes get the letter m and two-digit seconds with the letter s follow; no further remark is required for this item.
8h21
